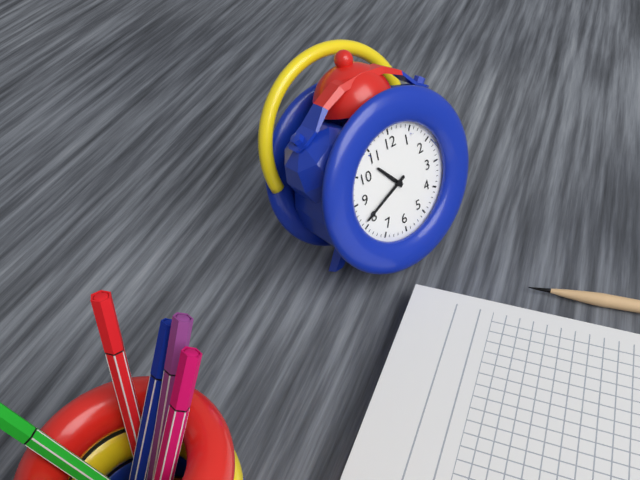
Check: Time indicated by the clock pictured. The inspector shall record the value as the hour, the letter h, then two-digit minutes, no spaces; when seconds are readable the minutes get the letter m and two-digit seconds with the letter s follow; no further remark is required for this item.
10h41
